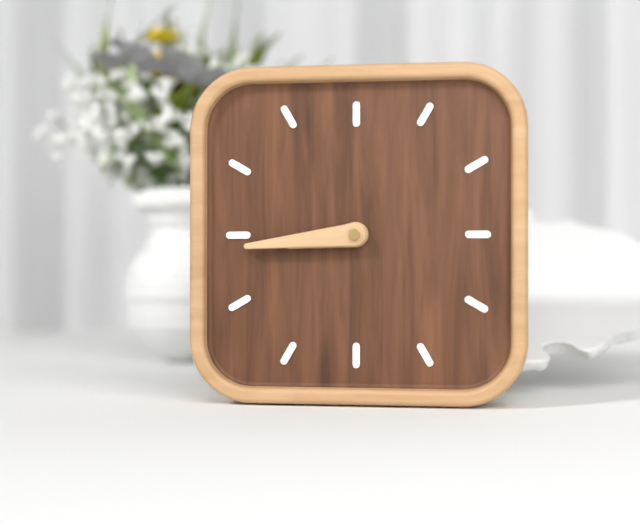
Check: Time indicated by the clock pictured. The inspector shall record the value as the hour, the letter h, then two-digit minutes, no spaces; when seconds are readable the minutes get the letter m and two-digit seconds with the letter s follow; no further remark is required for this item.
8h44
